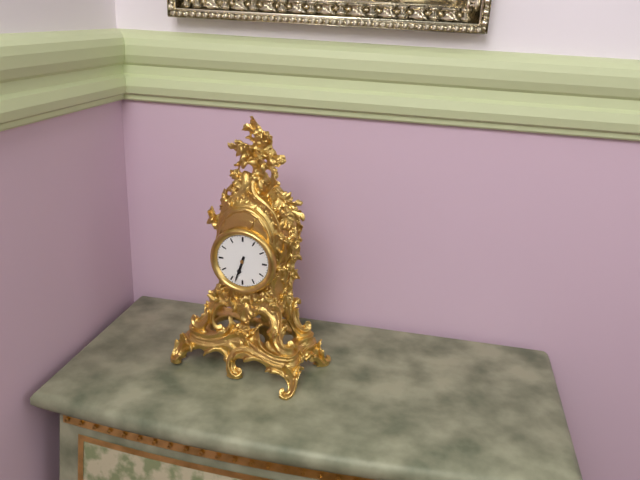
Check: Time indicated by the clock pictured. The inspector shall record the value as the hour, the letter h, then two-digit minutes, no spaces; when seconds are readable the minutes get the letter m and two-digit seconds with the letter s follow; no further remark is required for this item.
6h33
